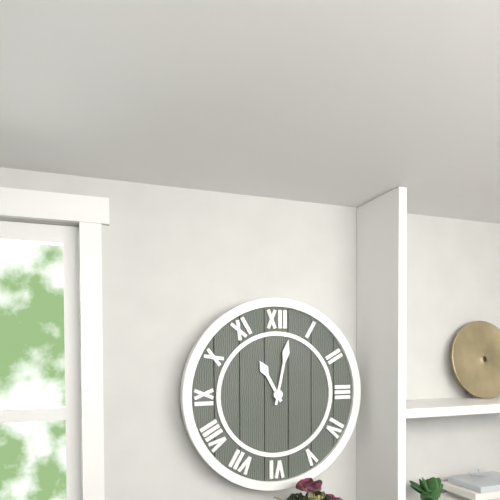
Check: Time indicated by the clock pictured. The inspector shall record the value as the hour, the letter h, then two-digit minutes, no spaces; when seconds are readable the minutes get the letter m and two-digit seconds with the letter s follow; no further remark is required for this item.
11h02
